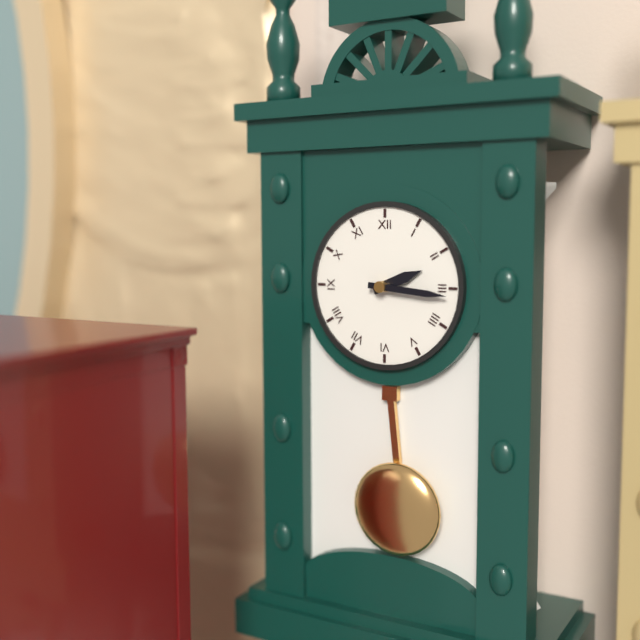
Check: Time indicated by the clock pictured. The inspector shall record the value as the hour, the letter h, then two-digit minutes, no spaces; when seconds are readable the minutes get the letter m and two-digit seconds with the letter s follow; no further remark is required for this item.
2h16
